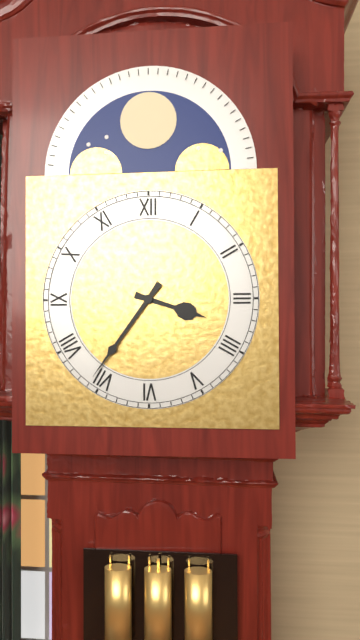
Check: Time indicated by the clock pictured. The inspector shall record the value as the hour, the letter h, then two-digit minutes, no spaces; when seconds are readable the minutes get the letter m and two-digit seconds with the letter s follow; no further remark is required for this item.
3h36
